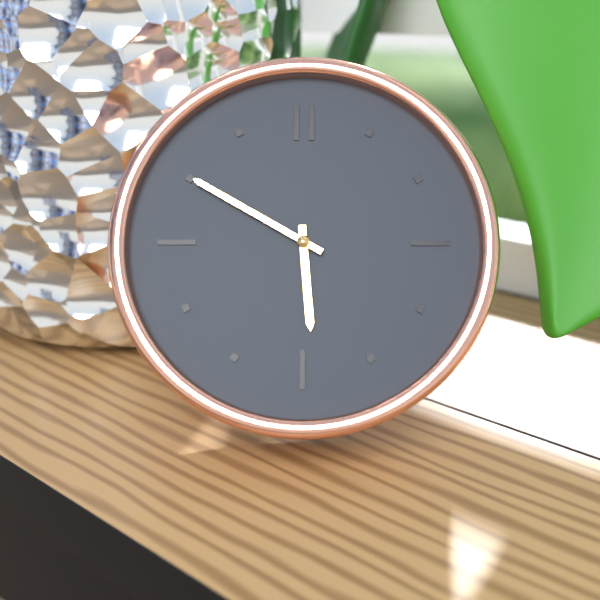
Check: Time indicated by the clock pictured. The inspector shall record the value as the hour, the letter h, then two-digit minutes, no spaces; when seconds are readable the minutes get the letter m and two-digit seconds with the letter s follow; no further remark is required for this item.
5h50
